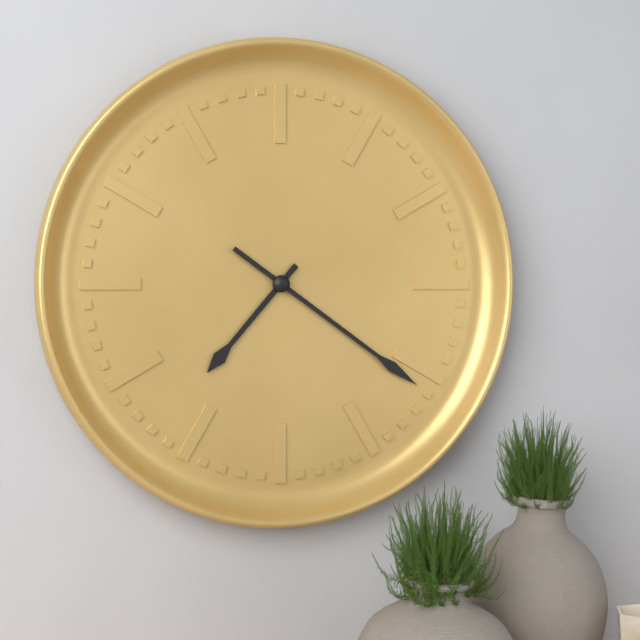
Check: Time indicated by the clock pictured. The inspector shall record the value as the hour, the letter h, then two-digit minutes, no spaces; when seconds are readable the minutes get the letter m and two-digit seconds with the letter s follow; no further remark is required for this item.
7h21
